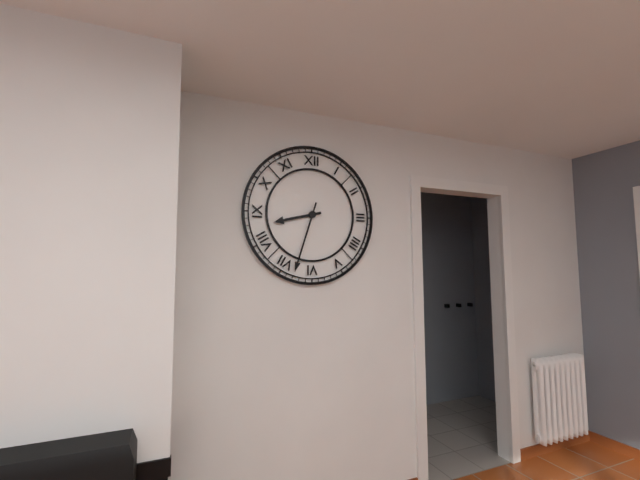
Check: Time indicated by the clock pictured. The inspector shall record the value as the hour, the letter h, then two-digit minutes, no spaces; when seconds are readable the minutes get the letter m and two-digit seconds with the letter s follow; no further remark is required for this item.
8h33
